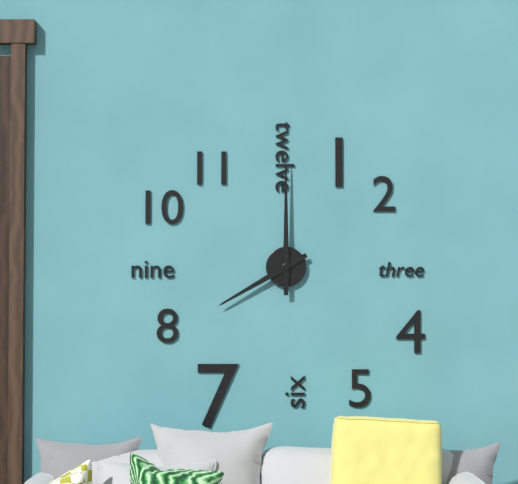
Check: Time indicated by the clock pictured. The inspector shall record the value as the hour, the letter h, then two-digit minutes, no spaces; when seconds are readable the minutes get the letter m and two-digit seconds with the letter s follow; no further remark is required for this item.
8h00
